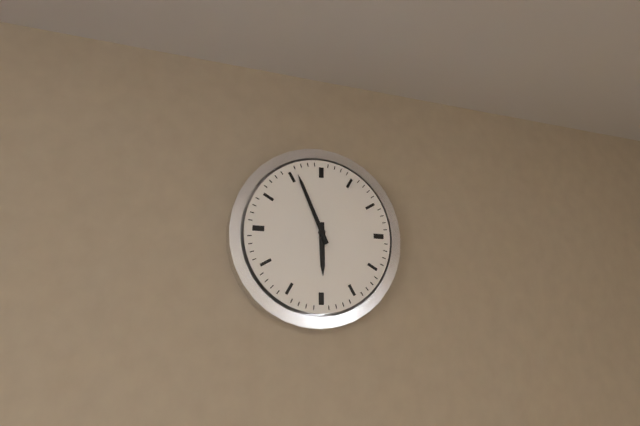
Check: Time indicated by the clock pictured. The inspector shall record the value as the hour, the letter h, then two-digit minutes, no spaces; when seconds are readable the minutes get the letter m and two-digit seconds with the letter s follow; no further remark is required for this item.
5h56
